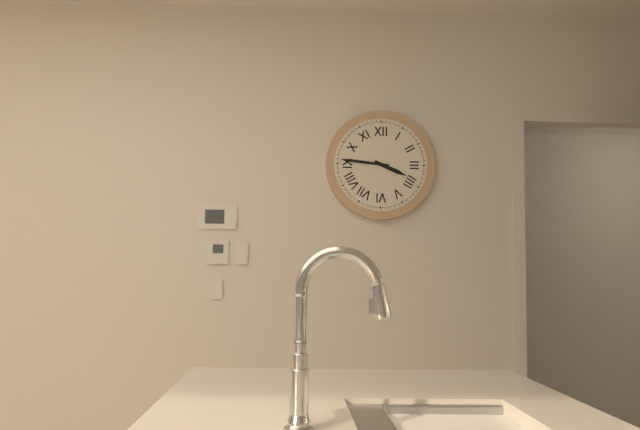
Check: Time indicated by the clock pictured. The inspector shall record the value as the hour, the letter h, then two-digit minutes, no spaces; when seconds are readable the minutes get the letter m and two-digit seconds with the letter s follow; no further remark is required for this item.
3h46
